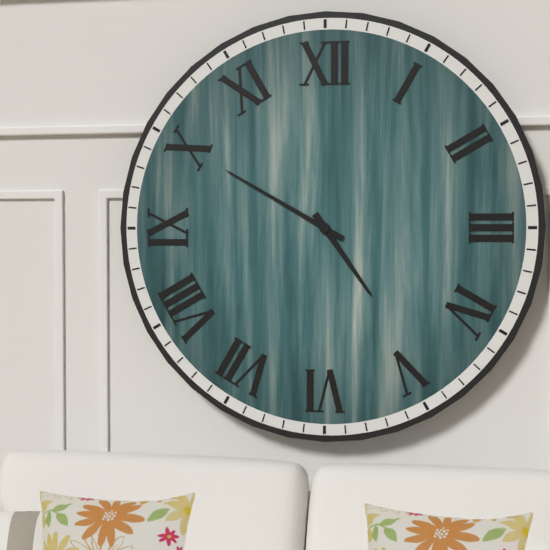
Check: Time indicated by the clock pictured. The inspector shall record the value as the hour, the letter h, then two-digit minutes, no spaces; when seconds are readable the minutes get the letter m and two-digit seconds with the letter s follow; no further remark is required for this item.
4h50
